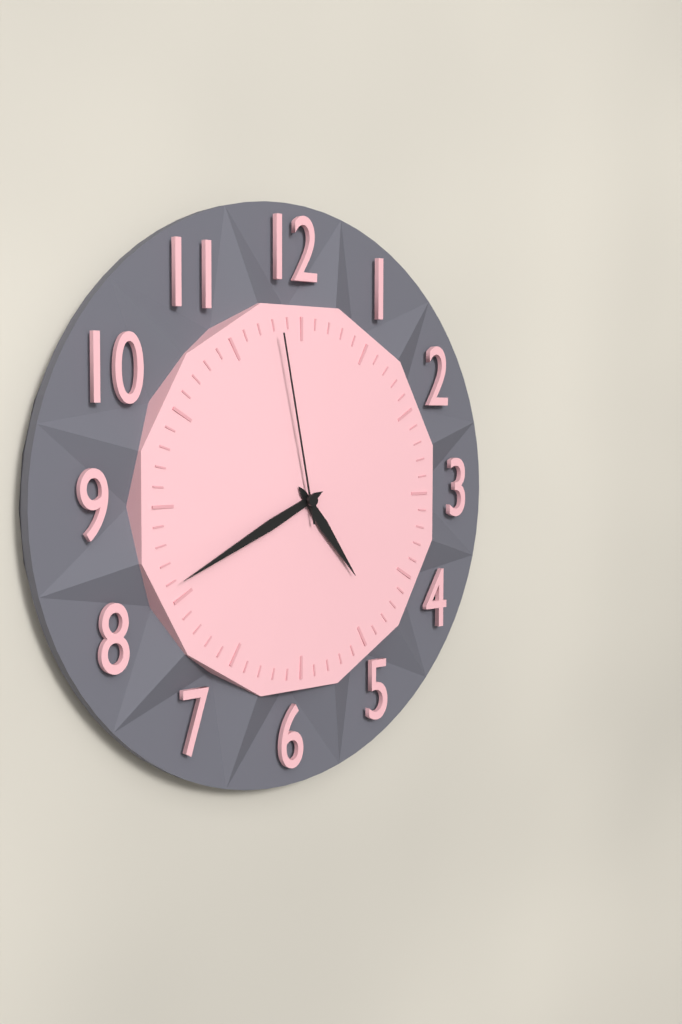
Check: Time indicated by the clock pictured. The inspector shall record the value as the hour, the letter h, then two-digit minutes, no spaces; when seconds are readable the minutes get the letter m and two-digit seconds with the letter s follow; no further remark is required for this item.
4h41m58s
